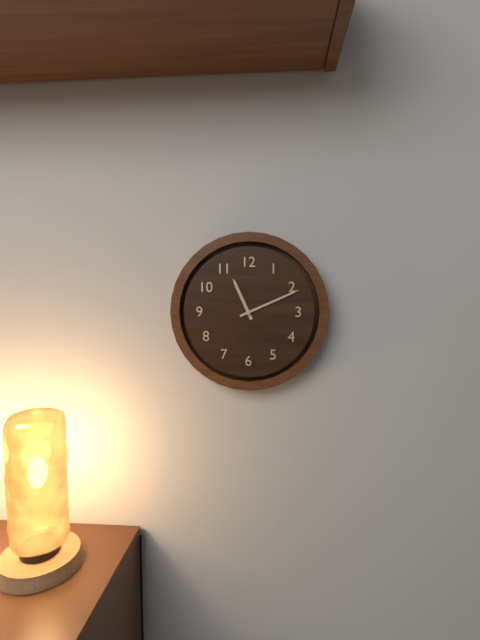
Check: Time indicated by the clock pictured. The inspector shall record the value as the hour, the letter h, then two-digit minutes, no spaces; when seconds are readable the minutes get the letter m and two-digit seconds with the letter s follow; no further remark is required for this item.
11h11
